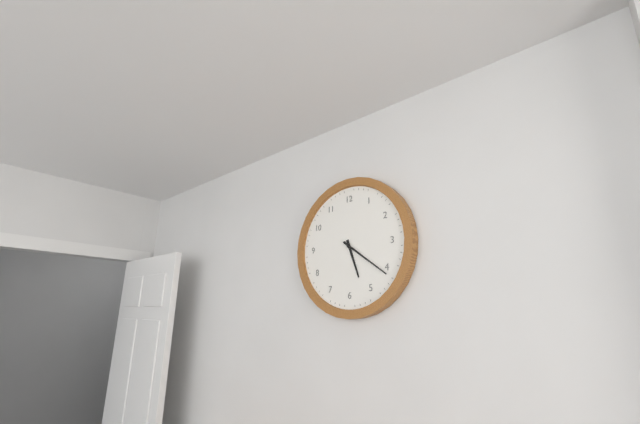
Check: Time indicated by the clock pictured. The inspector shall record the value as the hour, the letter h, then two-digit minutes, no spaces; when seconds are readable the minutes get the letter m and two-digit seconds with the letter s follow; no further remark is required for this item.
5h21
